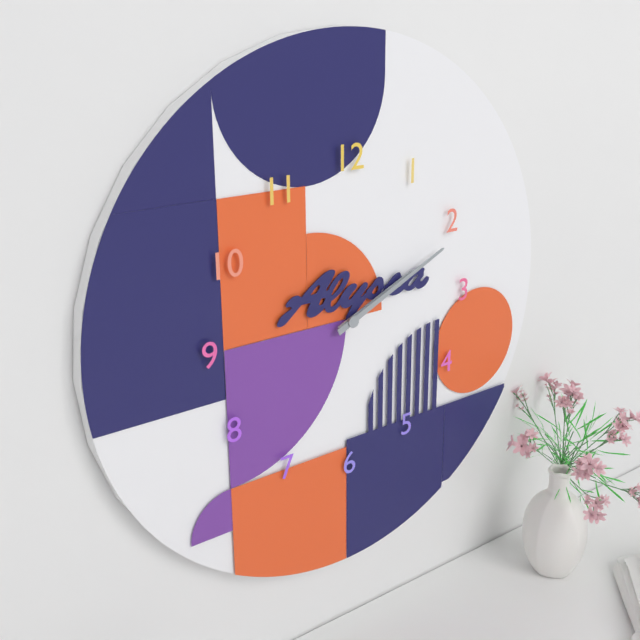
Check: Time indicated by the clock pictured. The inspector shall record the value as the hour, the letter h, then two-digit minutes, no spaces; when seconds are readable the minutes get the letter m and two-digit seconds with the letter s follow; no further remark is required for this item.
2h11
